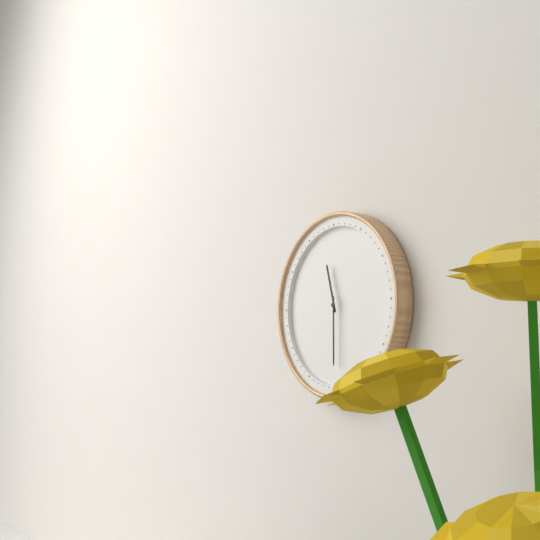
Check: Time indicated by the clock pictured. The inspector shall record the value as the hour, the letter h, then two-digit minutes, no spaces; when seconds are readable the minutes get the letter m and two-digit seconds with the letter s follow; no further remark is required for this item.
11h30
